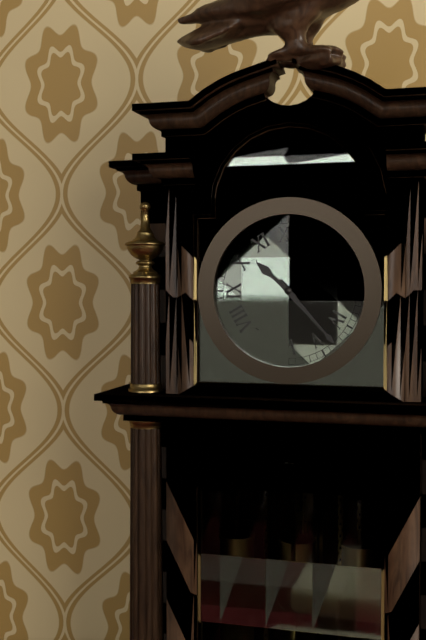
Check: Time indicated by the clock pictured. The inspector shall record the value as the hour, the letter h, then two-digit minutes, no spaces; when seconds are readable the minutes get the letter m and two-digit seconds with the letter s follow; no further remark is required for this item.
10h23
